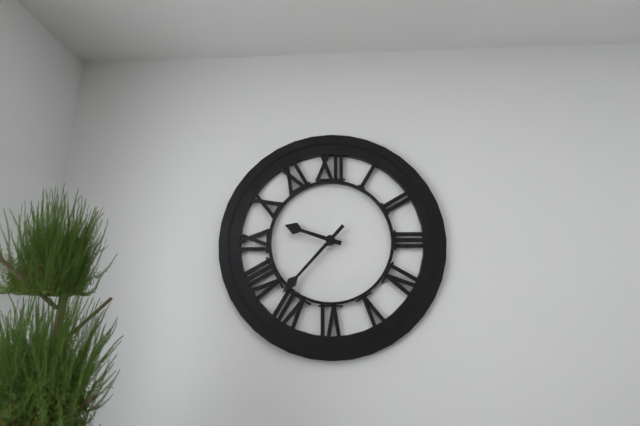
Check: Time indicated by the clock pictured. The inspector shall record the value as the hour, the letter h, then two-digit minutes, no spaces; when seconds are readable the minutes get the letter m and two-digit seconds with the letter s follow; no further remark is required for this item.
9h37
